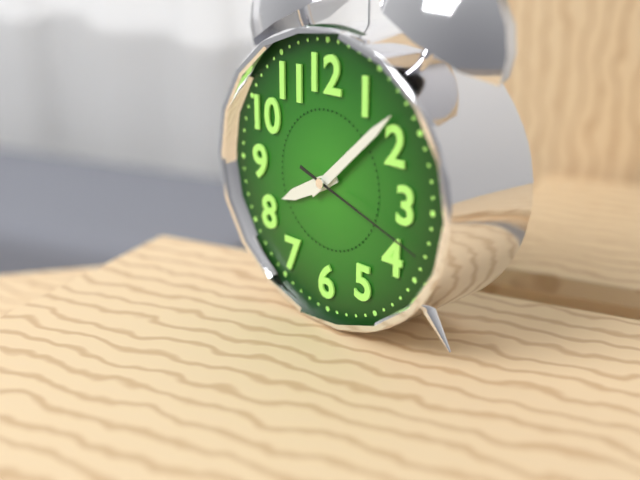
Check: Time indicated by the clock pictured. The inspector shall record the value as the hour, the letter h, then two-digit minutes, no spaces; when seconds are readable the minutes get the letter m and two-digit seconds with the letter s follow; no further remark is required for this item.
8h08m18s
